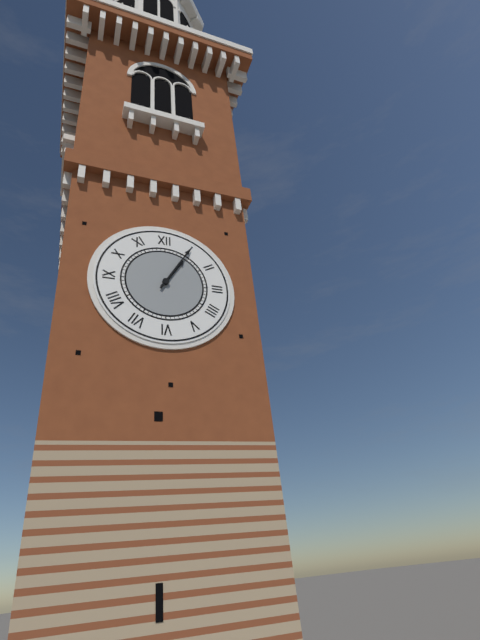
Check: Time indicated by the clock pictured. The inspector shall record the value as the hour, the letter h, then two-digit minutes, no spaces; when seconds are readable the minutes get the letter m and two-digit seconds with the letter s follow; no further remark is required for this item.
1h05
